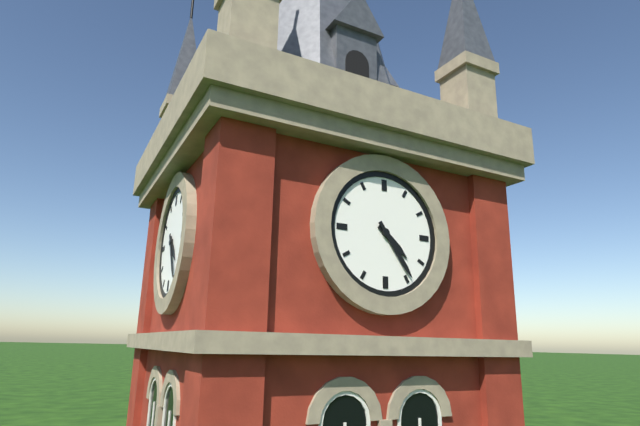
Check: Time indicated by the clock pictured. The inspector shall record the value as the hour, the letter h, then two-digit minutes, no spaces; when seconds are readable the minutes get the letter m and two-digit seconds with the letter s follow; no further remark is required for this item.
4h24
